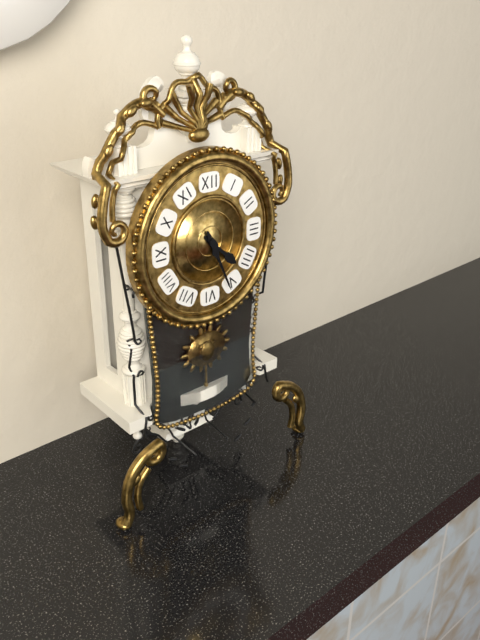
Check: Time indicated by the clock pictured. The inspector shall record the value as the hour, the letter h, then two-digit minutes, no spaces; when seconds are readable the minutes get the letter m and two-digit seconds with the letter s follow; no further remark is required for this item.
4h26
